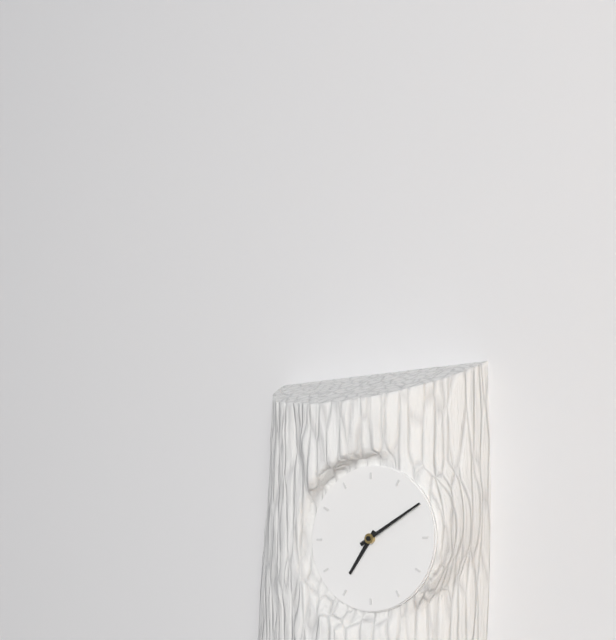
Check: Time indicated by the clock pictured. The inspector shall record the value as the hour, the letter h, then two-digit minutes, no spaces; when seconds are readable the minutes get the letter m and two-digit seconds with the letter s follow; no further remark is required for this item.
7h10
